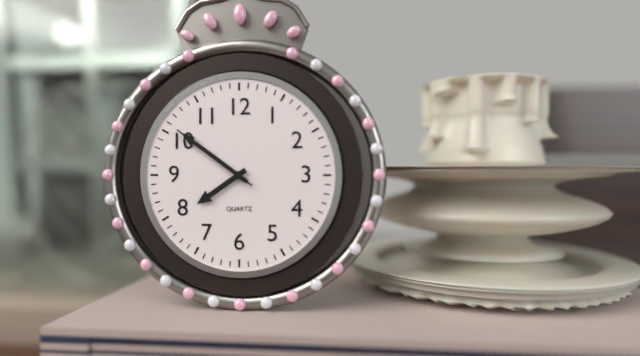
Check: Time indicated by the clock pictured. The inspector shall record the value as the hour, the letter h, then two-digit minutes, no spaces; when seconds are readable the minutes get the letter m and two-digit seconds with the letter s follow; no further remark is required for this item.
7h51m51s
